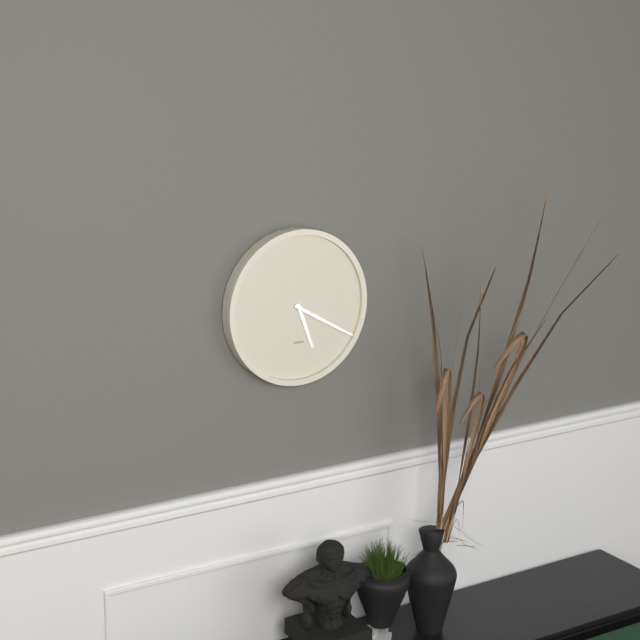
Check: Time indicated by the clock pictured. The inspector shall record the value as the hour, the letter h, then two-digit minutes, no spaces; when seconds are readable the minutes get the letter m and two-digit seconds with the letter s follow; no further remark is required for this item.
5h20
